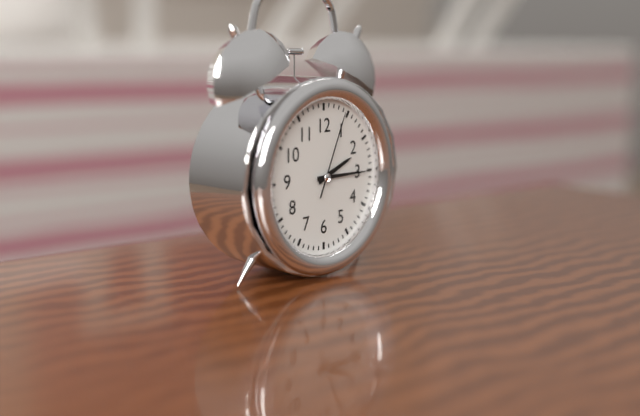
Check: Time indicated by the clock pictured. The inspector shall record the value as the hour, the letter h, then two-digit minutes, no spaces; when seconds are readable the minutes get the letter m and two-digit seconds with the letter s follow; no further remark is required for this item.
2h15m04s
